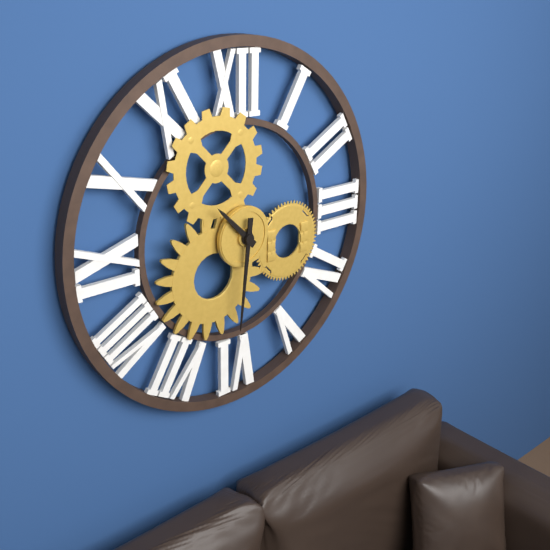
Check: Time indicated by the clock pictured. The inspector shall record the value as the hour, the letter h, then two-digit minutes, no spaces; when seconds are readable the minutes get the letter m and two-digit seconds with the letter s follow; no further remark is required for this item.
10h31
